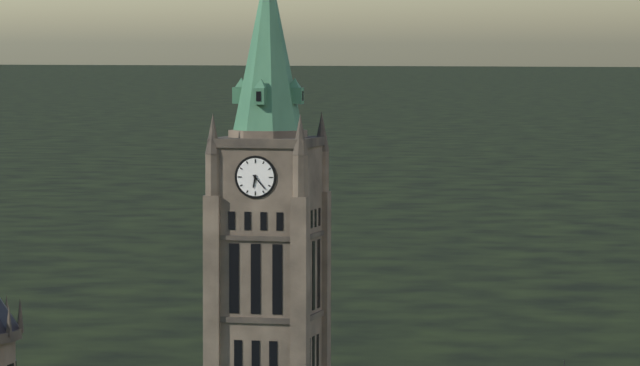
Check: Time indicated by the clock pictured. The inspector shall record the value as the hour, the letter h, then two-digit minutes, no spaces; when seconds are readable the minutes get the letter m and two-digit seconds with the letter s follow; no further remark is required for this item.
6h23
